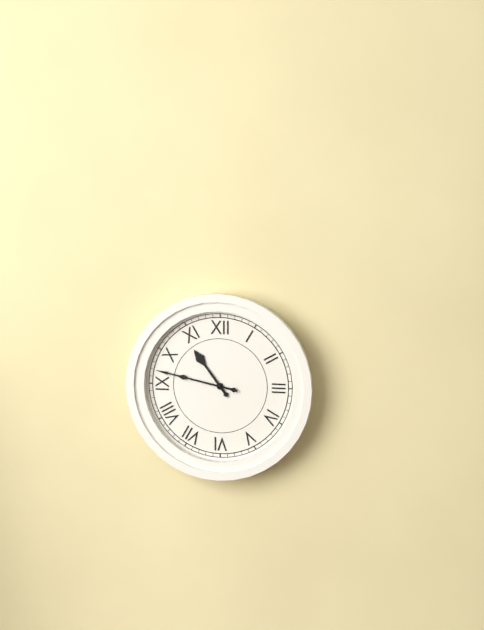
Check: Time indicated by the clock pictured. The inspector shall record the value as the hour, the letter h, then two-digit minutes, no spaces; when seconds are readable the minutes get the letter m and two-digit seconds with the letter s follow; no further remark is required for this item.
10h47
